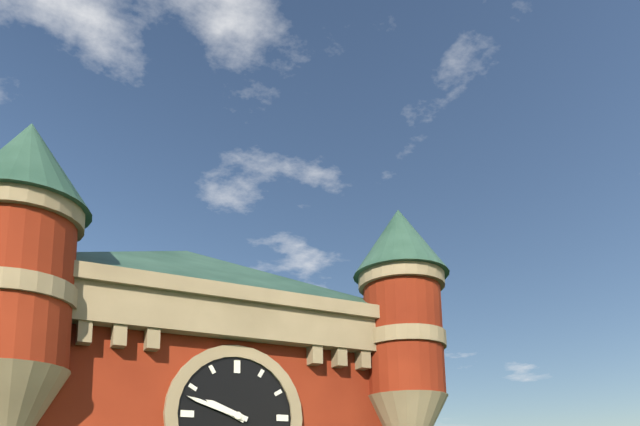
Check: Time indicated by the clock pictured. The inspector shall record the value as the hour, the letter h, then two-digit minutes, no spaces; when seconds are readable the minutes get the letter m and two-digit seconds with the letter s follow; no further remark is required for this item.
9h48
